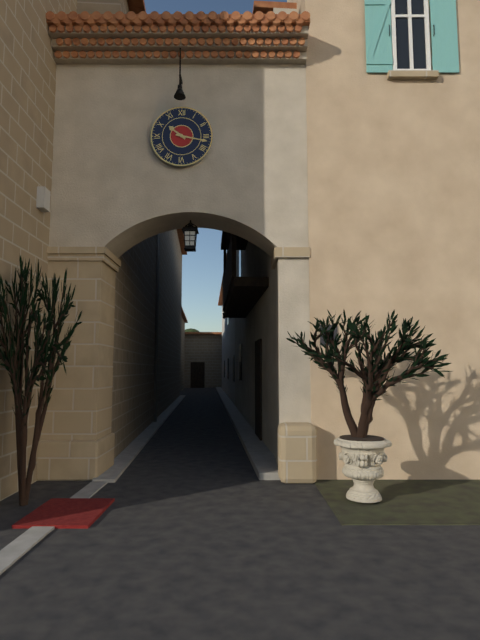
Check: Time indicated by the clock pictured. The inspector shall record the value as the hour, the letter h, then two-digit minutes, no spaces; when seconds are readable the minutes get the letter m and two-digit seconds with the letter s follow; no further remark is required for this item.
10h17
